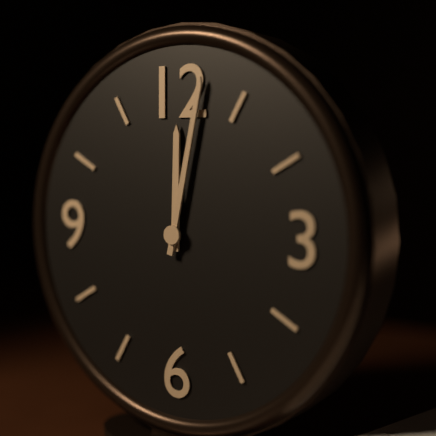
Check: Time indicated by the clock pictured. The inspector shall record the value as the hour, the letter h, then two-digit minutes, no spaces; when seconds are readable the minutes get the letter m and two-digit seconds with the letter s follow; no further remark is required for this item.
12h02
